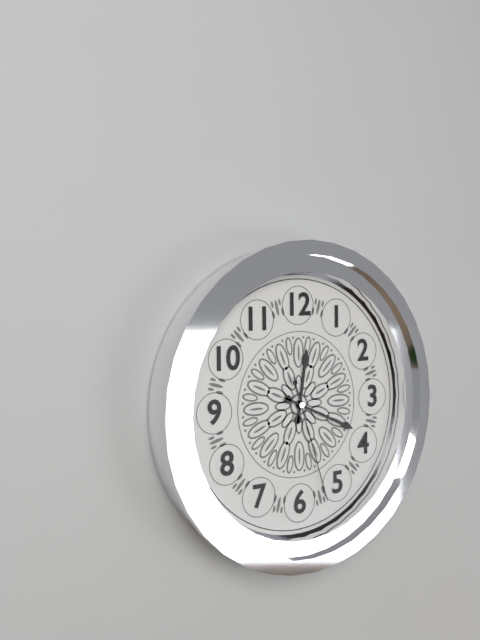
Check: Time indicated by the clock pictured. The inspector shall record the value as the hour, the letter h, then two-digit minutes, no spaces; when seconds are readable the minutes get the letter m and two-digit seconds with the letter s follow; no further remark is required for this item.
12h19m27s
